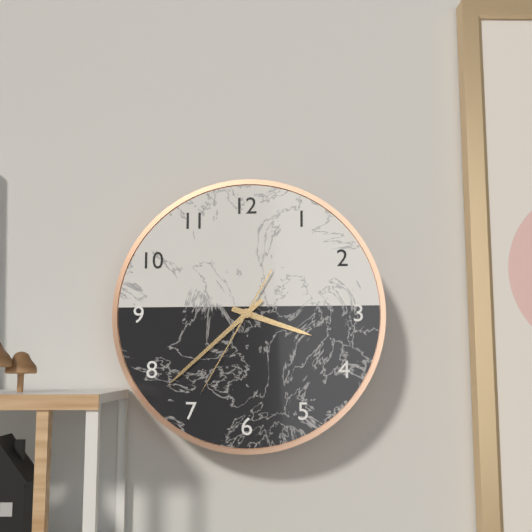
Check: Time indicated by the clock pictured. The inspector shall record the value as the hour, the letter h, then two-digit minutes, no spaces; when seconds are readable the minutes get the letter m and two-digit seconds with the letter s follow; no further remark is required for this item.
3h38m35s
